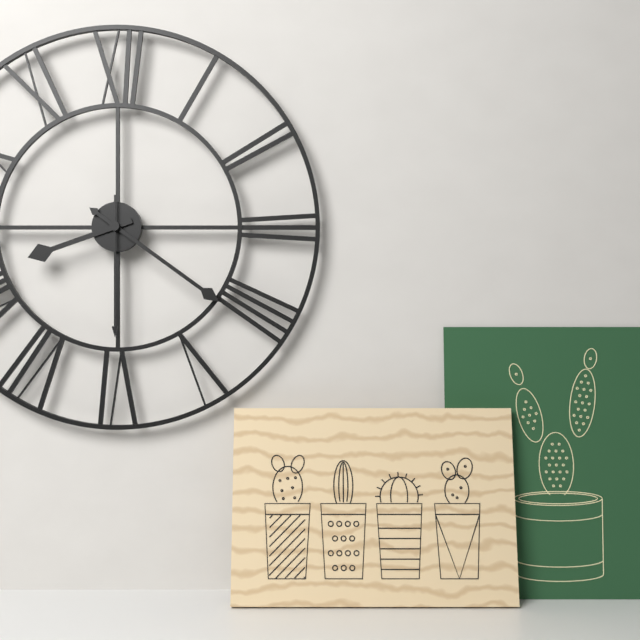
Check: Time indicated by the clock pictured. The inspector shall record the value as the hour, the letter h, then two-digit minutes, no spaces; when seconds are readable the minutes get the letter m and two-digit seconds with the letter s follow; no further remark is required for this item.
8h21m30s
